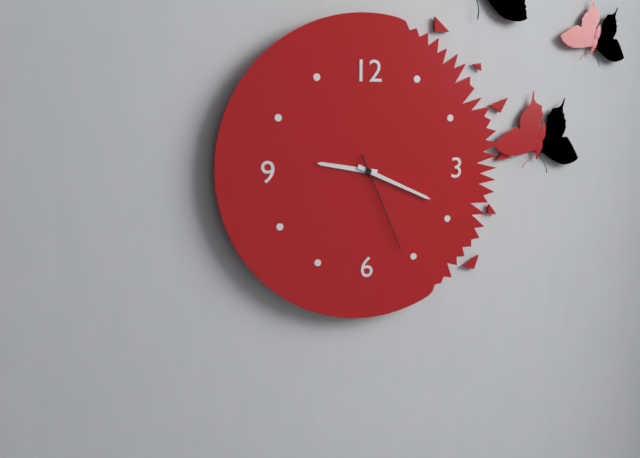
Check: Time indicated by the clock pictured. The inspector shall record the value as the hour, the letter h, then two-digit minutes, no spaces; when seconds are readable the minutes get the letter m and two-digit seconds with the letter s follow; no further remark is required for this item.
9h19m26s
